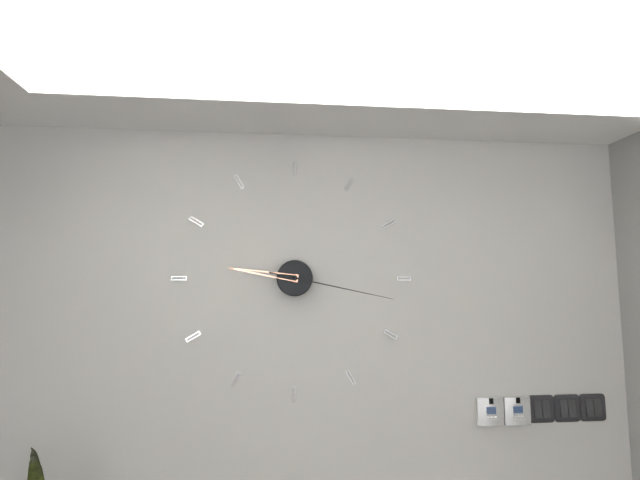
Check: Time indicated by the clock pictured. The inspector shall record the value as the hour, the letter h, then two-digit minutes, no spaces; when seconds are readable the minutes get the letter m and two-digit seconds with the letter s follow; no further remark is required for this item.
9h17
